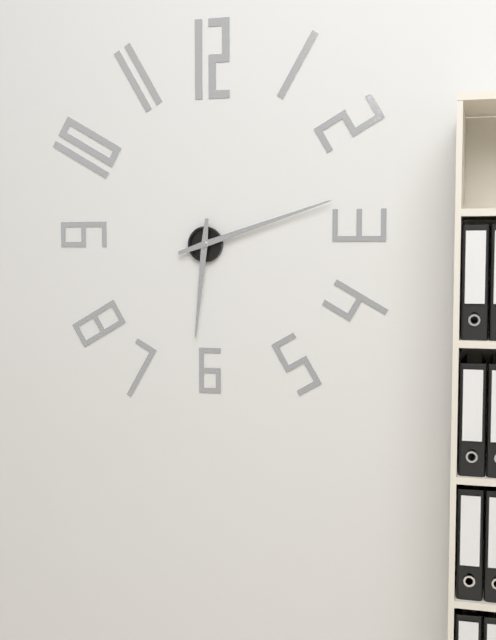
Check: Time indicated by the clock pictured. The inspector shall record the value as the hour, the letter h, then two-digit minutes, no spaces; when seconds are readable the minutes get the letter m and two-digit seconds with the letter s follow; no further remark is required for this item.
6h12
